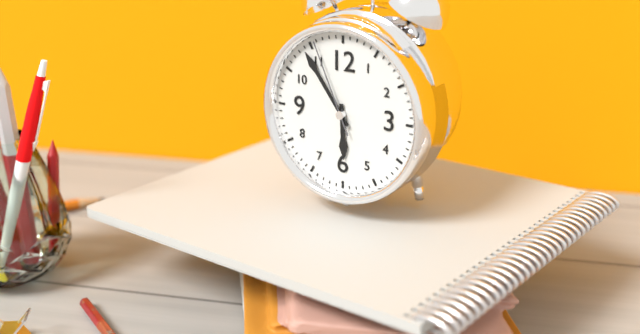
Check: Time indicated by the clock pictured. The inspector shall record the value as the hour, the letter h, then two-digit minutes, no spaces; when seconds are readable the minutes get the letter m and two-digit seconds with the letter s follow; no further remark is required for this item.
5h54m56s
